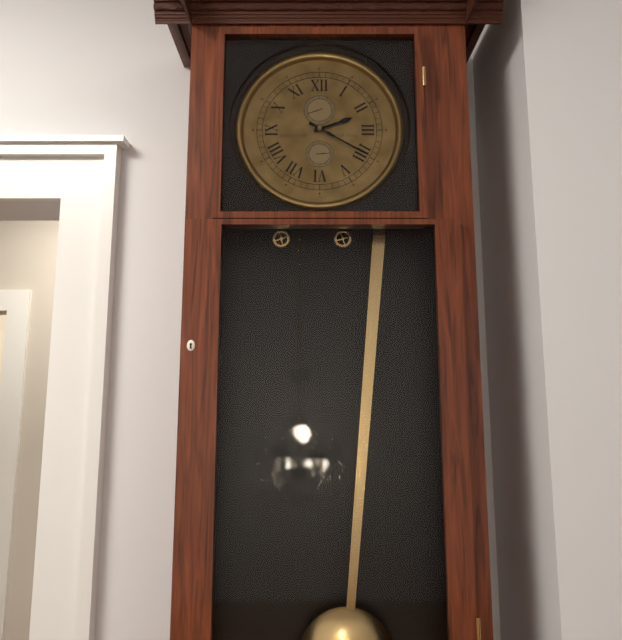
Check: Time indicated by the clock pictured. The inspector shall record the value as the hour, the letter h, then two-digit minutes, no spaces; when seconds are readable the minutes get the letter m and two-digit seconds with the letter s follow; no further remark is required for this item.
2h20
